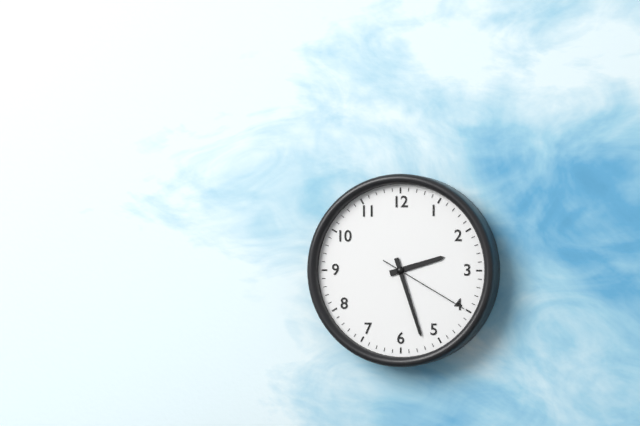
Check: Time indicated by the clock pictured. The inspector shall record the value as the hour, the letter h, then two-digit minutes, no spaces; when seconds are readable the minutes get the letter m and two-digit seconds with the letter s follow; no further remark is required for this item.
2h27m20s
